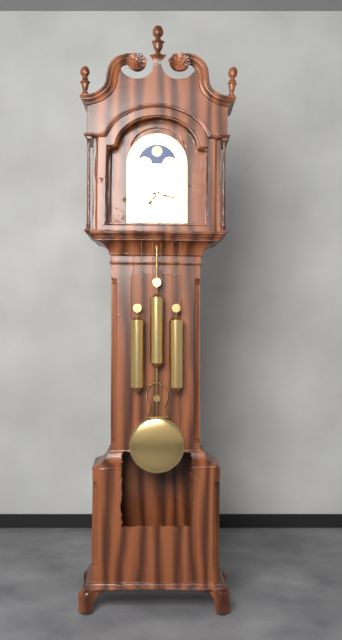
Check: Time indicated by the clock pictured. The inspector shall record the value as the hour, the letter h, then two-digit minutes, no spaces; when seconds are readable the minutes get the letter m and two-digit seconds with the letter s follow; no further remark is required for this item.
7h17
